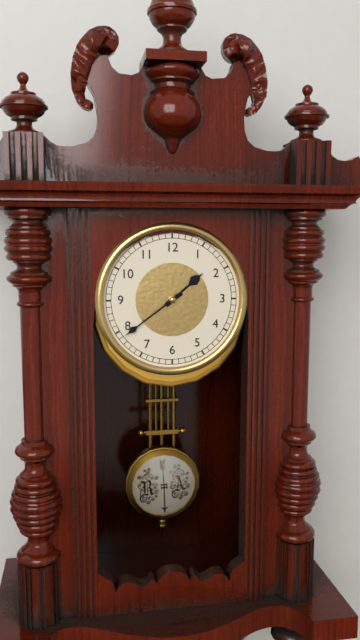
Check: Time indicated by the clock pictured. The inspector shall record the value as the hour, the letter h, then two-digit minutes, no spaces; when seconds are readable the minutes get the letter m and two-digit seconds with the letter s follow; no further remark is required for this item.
1h39
